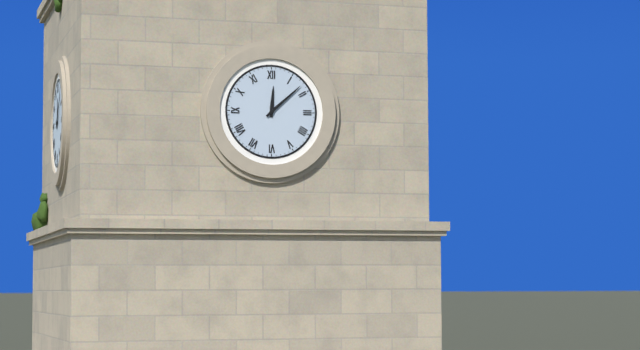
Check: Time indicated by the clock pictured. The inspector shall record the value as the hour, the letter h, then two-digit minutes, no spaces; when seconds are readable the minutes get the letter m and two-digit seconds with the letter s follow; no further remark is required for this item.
12h08
